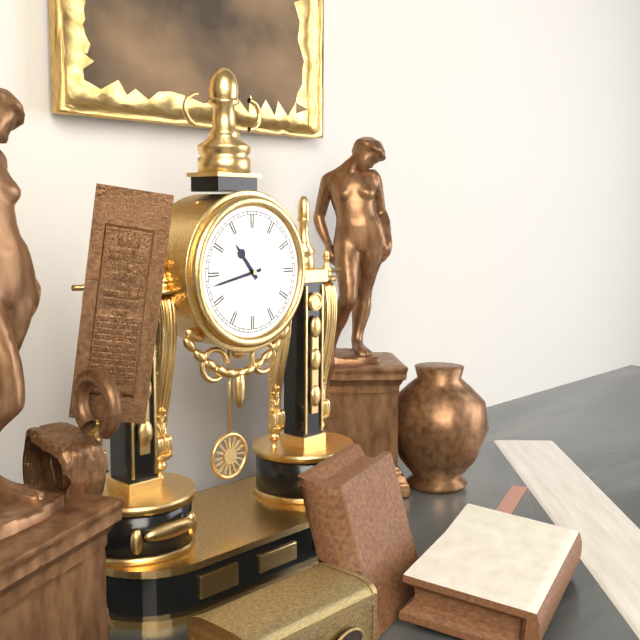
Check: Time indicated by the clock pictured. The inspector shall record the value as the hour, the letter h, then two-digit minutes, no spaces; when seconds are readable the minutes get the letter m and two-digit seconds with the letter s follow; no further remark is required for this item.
10h43
